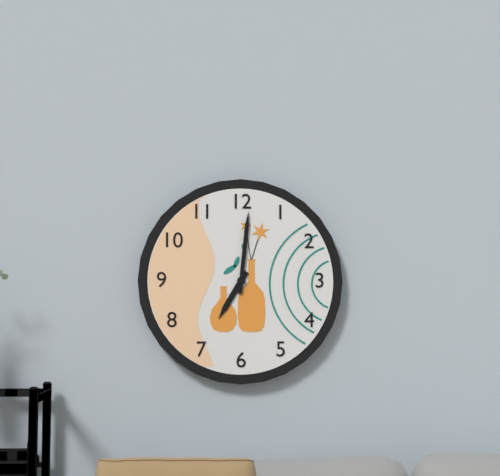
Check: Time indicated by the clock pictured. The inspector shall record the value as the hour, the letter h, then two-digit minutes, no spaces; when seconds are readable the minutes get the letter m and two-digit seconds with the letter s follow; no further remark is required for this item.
7h01
